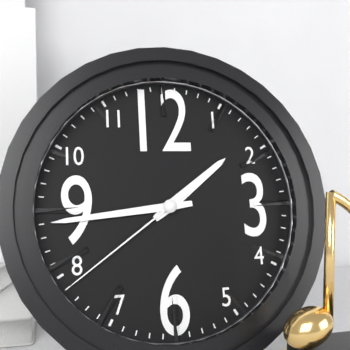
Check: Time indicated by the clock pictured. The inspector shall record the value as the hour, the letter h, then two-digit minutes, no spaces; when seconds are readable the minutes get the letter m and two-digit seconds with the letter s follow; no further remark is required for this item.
1h44m39s
